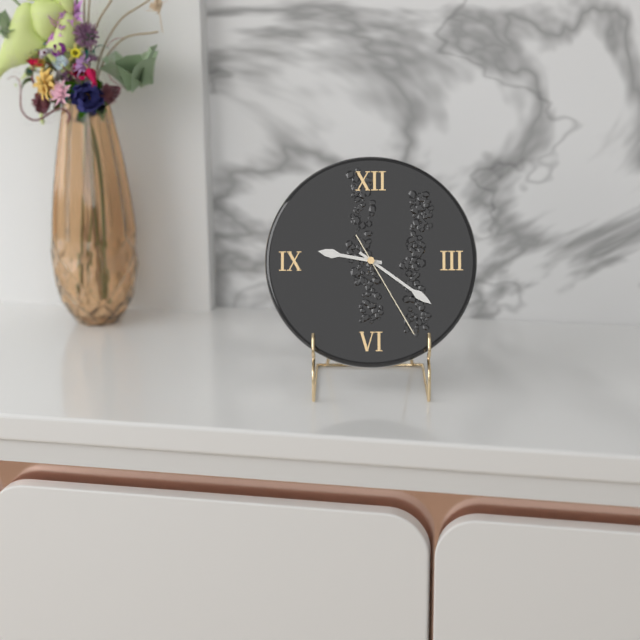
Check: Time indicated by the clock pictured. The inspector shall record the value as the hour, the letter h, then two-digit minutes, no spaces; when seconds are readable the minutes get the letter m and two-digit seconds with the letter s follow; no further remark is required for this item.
9h21m25s
